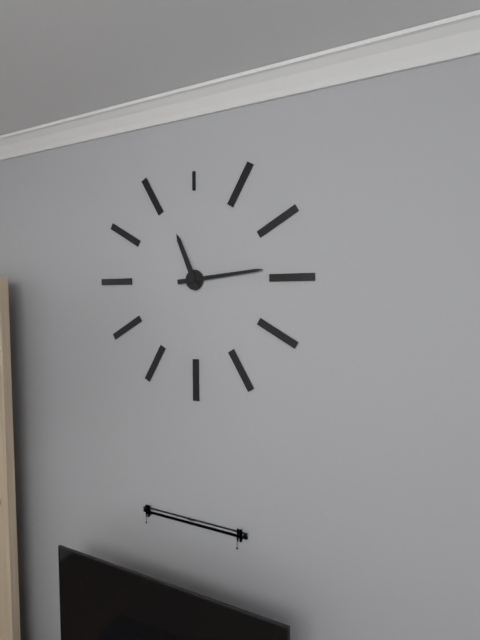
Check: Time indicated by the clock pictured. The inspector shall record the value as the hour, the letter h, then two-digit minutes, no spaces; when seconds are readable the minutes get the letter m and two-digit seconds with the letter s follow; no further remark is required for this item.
11h14
